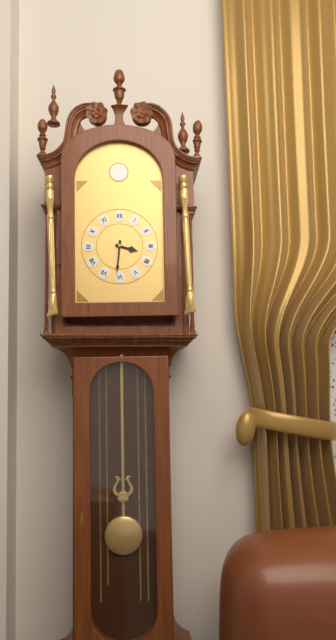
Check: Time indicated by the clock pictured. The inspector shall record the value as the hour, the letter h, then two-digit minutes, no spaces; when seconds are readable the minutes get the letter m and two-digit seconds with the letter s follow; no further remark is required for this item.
3h31
